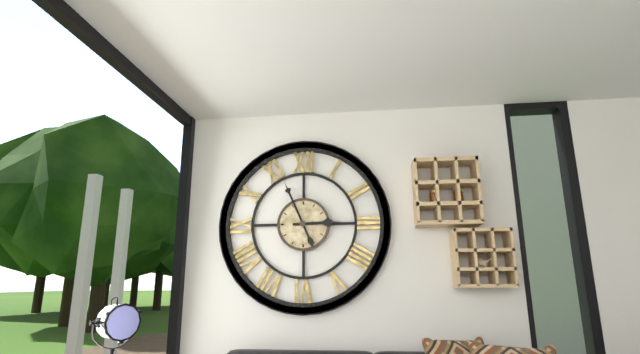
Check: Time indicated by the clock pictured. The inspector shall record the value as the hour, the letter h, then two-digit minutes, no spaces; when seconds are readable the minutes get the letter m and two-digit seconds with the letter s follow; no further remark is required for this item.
2h56
